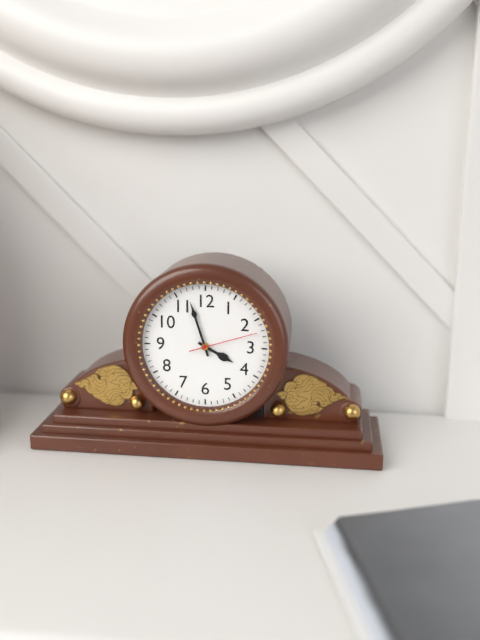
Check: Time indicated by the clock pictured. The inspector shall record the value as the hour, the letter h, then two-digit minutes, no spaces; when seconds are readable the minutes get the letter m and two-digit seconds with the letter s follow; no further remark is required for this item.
3h57m12s
